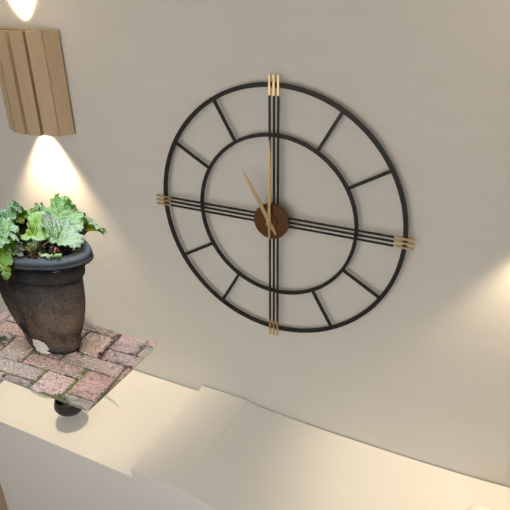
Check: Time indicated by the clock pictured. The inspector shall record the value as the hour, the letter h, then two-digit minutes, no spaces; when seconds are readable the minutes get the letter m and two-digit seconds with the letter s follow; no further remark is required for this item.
11h00
